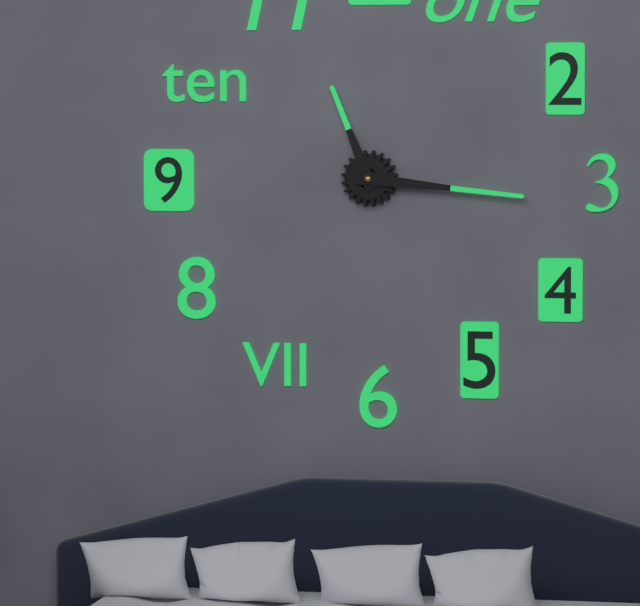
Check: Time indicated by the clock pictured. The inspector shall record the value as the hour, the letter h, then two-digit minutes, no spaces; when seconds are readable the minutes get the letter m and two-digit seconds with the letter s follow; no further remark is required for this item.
11h16
